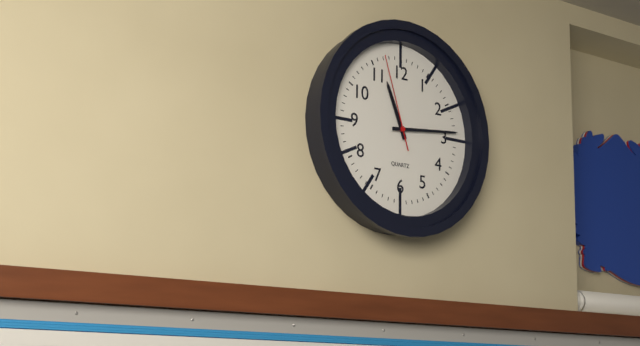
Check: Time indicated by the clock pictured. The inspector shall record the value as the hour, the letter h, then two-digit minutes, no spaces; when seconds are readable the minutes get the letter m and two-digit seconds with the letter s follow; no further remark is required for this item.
11h14m57s
